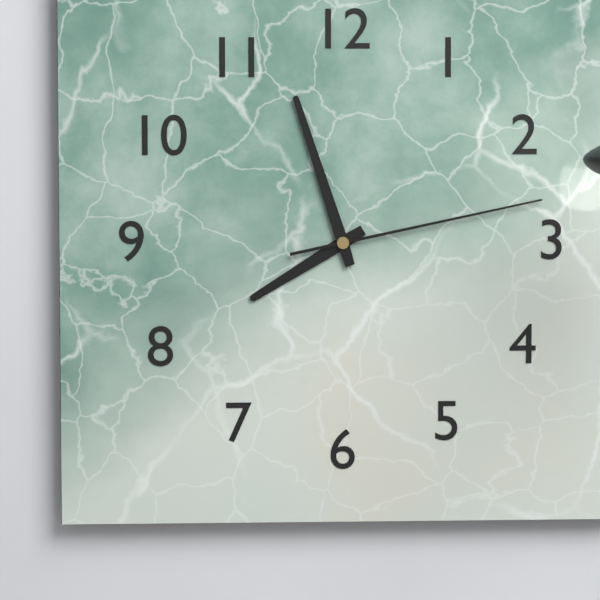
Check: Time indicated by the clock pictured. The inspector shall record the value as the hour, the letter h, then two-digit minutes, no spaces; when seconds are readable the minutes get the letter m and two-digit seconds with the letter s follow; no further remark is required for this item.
7h57m13s
